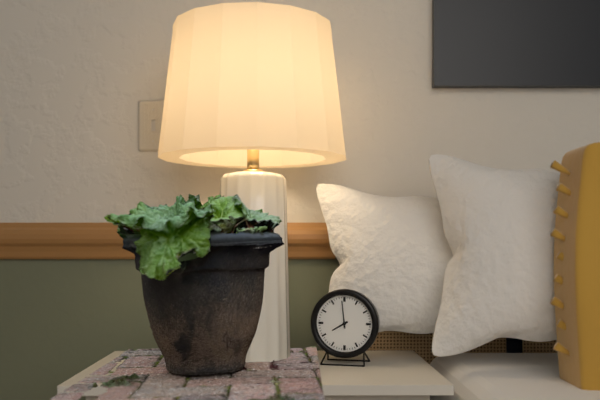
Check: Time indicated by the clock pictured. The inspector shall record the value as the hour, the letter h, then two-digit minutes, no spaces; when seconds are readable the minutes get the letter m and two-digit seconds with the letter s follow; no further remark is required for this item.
7h59
